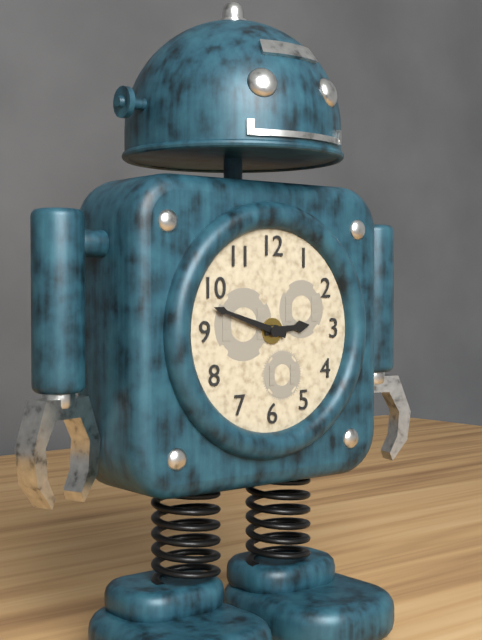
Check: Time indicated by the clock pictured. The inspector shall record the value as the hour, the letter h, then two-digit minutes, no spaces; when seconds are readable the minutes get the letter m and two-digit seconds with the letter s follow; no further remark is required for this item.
2h48
